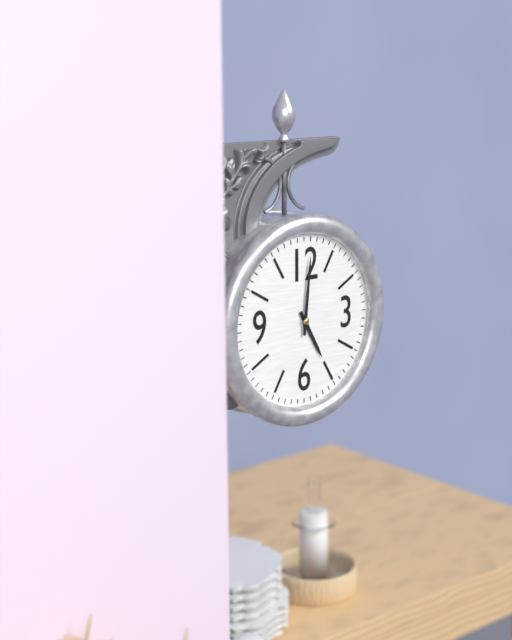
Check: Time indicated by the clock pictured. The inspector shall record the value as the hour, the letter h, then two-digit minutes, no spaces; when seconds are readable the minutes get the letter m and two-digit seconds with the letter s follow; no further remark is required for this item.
5h01
